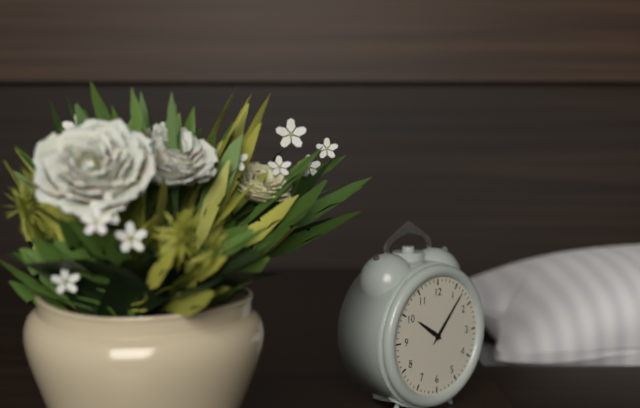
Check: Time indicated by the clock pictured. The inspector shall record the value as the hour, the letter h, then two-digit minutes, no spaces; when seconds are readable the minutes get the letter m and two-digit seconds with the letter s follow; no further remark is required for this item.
10h07
